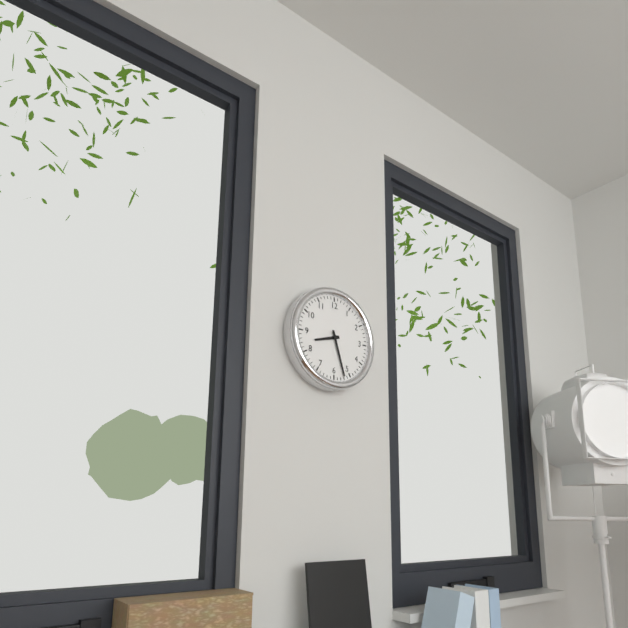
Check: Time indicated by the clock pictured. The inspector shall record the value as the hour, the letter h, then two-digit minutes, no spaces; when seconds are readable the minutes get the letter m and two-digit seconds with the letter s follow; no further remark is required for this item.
8h27
